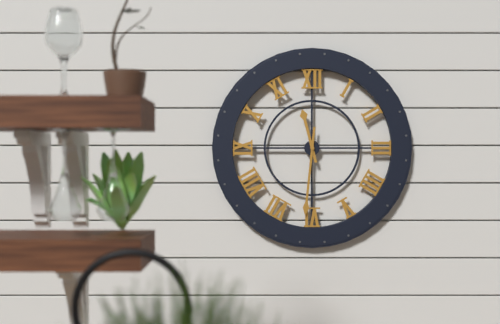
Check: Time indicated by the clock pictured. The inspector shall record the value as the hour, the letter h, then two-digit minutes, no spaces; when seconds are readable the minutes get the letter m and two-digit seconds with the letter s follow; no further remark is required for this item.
11h31
